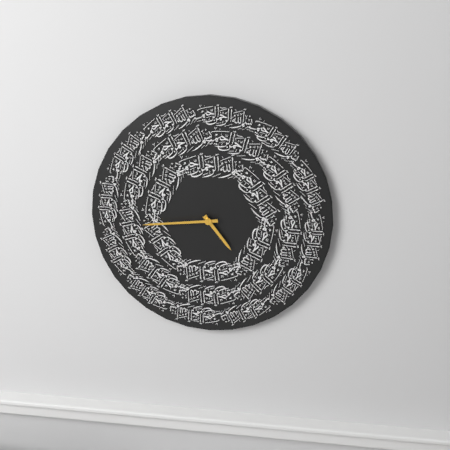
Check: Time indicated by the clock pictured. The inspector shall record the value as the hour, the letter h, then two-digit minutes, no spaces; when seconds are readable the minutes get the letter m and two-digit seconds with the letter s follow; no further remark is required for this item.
4h44
